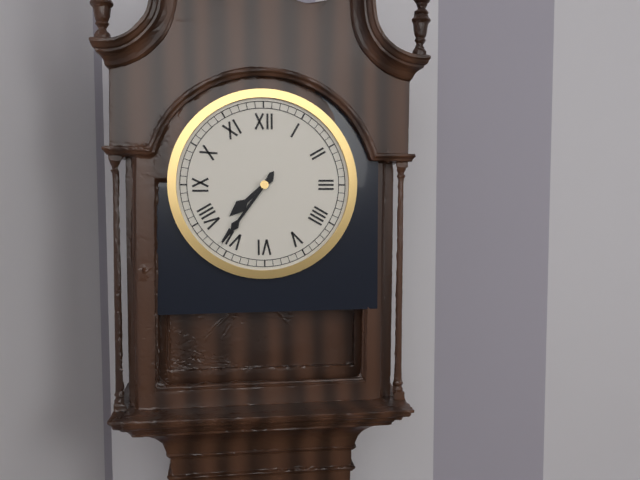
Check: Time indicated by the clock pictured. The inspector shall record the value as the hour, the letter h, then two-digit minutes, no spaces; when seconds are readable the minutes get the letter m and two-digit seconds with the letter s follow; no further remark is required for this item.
7h36
